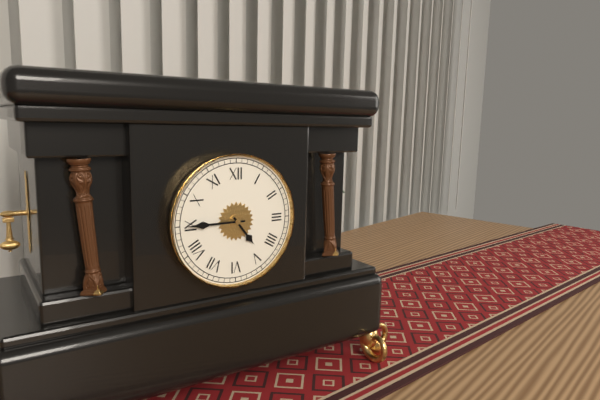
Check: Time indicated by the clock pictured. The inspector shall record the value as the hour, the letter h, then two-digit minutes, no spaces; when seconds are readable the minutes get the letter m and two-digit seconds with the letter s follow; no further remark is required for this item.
4h45
